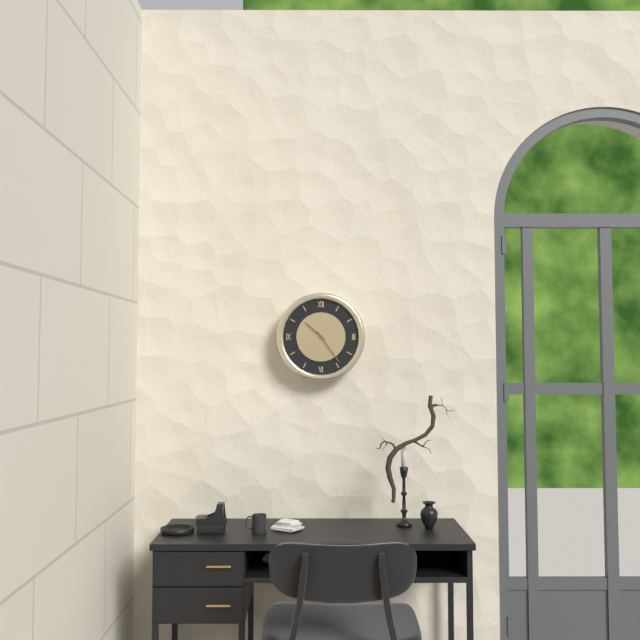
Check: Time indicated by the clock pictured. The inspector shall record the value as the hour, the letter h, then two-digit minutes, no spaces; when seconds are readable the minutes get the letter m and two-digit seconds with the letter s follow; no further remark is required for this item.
10h24
